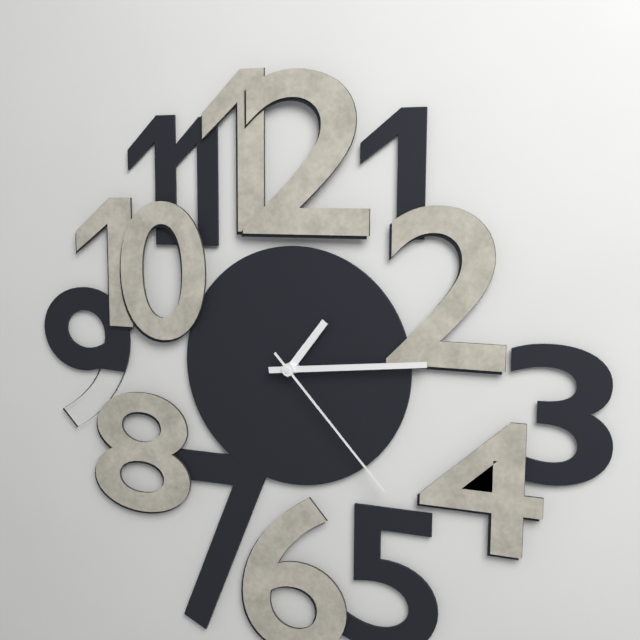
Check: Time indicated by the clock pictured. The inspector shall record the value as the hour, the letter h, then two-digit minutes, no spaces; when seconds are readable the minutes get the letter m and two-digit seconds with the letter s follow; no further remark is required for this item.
1h14m23s
